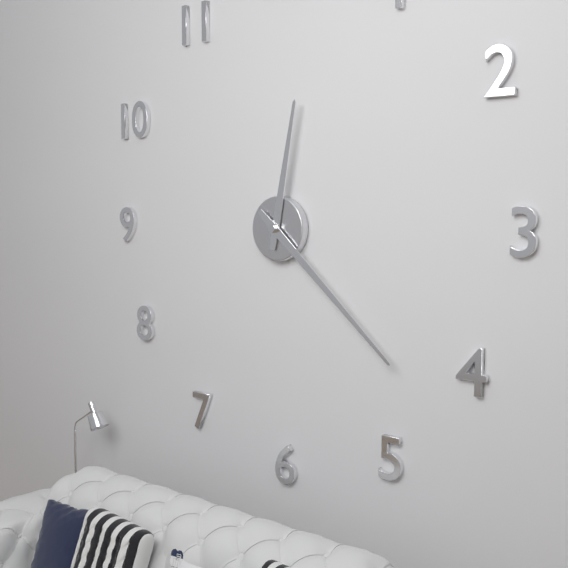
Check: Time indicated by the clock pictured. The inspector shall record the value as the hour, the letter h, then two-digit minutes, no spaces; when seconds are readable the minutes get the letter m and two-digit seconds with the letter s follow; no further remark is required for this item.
12h22
